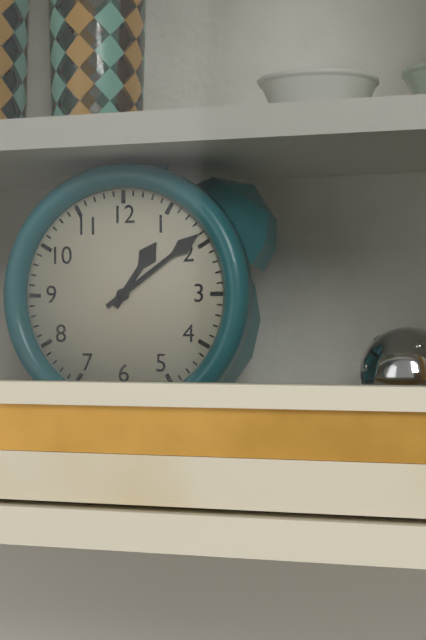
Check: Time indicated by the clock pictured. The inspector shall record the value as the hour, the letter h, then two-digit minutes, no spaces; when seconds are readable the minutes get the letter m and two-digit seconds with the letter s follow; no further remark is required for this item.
1h09
